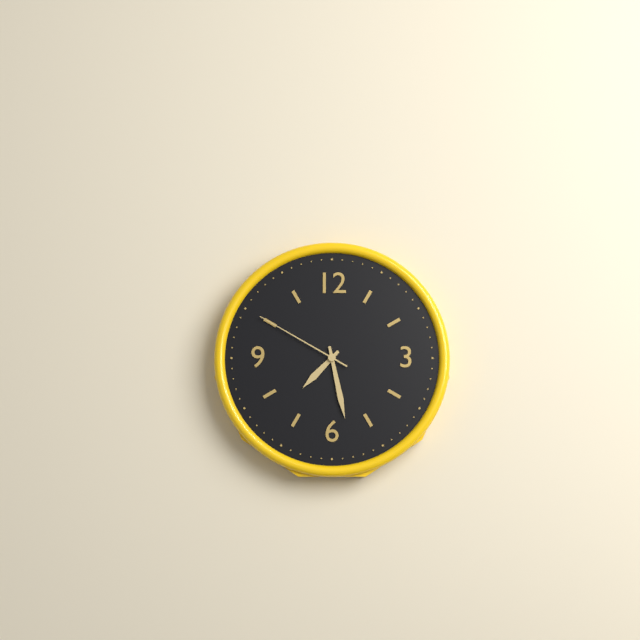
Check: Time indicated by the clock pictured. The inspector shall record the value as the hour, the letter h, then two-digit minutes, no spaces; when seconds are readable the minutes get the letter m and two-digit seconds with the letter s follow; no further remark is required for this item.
7h28m50s
